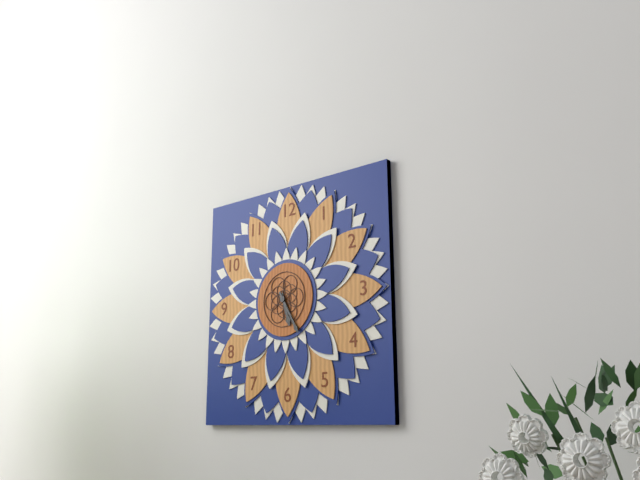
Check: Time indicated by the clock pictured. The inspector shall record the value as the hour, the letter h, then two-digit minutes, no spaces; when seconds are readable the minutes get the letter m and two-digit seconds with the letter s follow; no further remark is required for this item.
5h25
